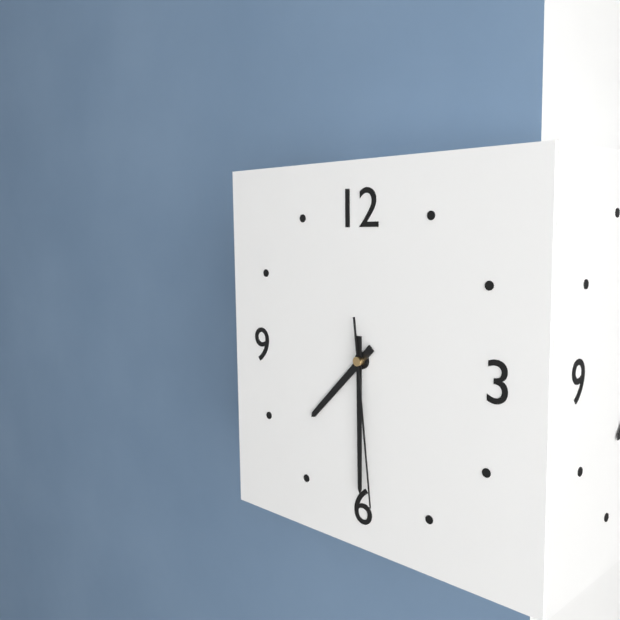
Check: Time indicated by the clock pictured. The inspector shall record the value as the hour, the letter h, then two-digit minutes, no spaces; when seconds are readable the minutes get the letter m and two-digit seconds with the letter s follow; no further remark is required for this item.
7h30m29s
